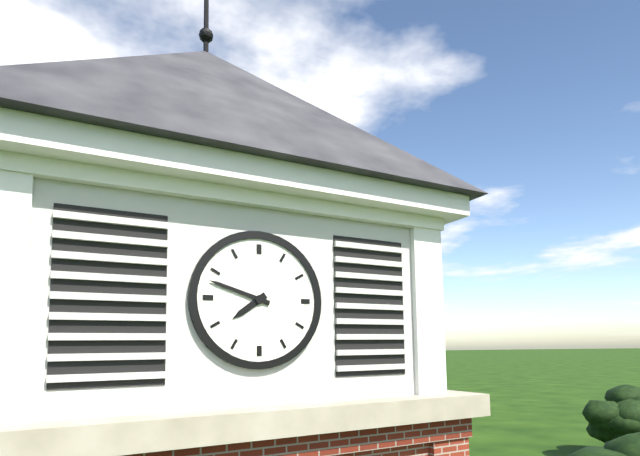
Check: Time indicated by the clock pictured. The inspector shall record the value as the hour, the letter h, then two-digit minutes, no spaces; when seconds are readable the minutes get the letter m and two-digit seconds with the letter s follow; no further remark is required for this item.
7h48
